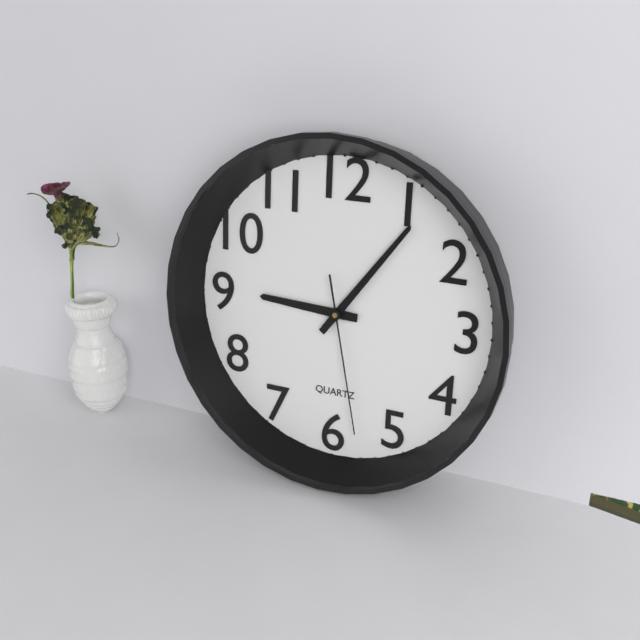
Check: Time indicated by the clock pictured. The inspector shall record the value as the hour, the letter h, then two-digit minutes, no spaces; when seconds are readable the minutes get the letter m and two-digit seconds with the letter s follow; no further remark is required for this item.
9h06m28s
